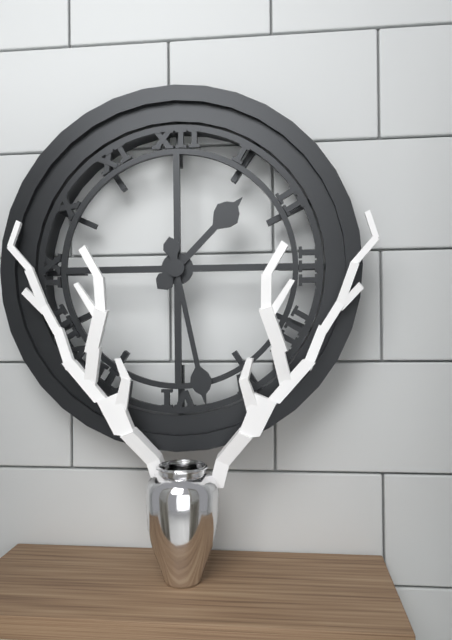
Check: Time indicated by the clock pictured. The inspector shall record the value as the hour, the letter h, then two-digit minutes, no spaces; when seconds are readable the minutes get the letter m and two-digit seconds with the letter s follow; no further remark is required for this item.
1h28
